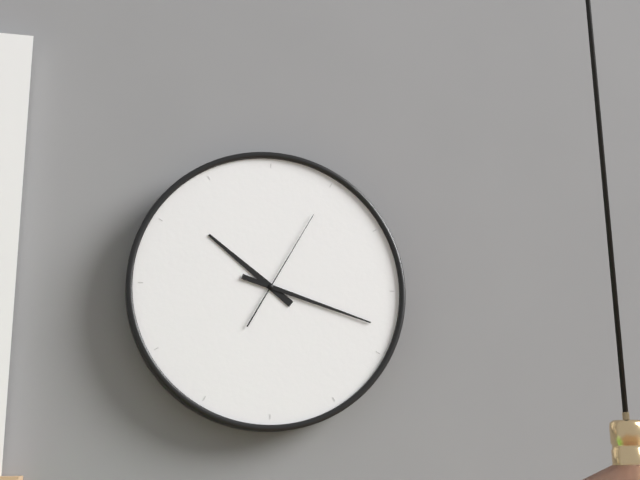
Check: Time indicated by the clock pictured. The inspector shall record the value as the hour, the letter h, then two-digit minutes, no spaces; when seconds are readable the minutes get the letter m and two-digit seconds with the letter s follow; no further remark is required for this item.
10h18m05s
